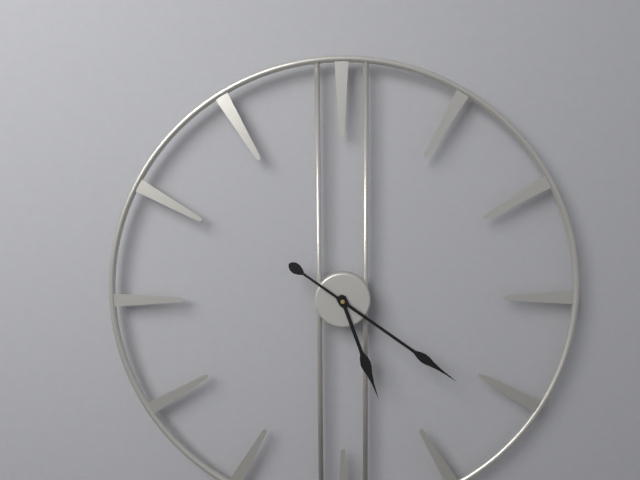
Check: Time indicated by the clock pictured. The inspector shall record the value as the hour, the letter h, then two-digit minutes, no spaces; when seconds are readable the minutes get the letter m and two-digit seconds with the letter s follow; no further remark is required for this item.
5h21
